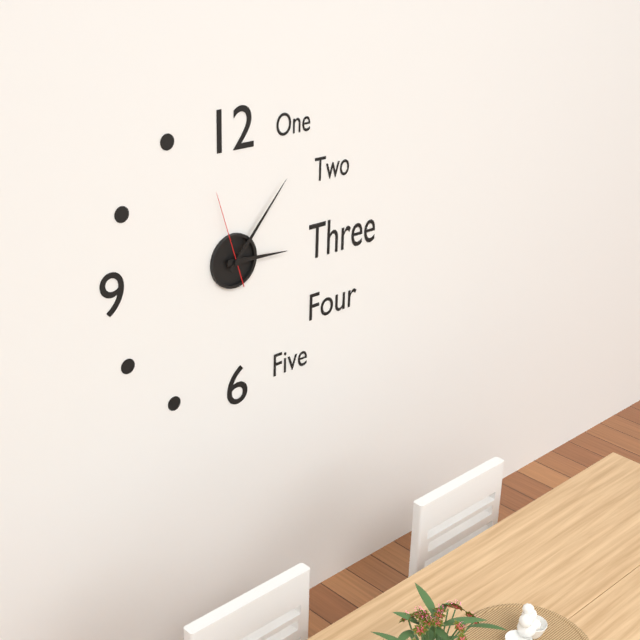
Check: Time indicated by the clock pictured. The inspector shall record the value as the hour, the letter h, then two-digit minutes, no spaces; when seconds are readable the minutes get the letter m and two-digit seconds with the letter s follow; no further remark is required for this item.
3h07m57s
